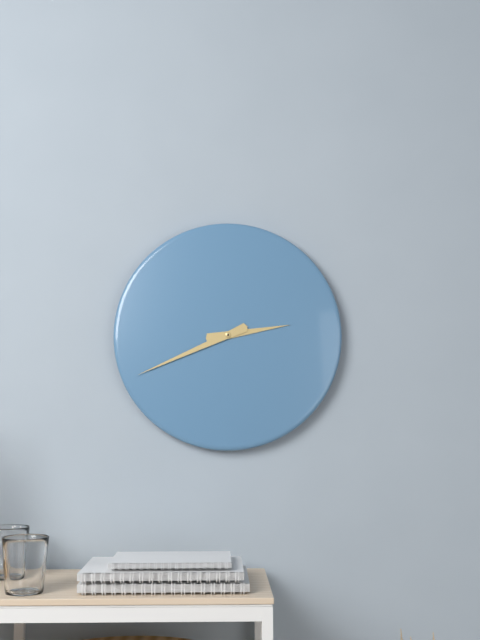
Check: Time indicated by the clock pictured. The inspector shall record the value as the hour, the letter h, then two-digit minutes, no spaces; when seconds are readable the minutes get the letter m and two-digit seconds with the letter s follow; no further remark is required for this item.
2h41
